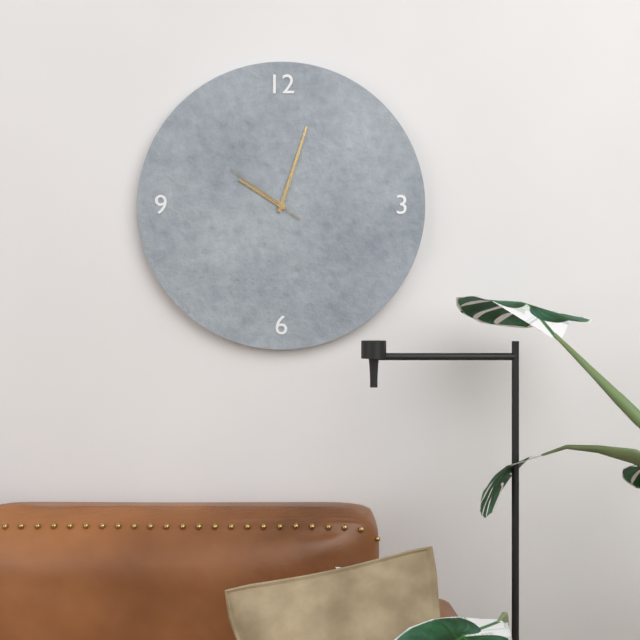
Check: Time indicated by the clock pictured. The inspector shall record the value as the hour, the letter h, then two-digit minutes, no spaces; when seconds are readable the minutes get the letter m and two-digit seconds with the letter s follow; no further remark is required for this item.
10h03m51s
